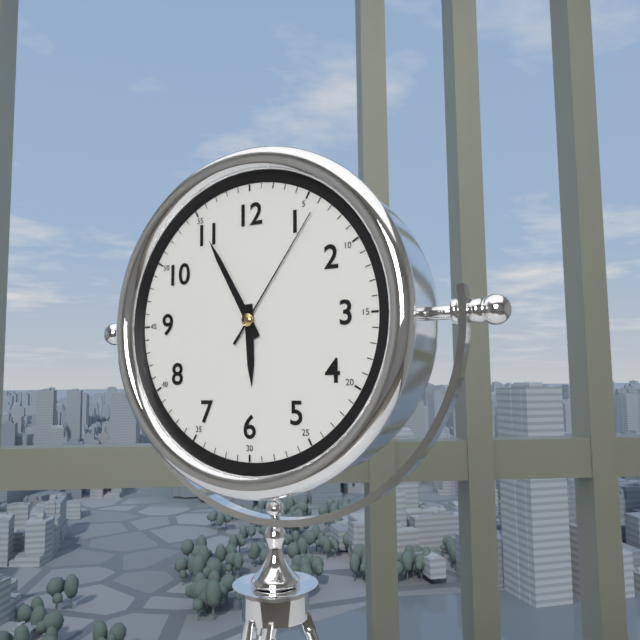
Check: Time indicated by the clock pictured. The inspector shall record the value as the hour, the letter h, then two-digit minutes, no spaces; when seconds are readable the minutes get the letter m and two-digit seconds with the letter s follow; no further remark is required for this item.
5h55m06s
